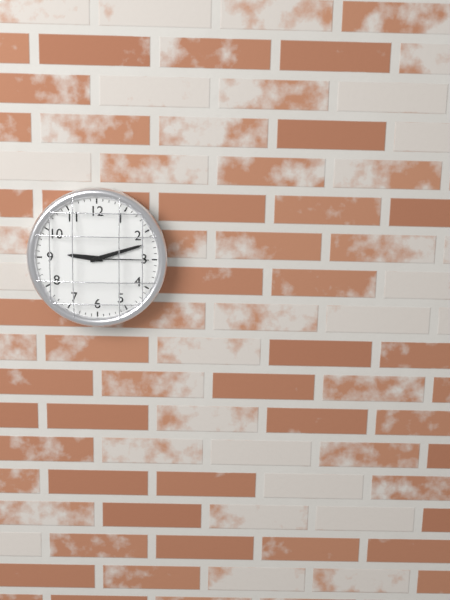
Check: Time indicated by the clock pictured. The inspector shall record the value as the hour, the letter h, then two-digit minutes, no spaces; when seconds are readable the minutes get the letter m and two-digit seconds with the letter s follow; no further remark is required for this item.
9h12m15s
